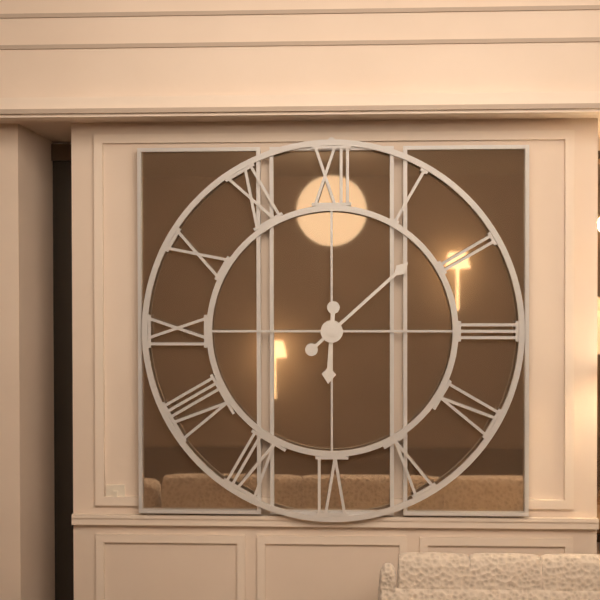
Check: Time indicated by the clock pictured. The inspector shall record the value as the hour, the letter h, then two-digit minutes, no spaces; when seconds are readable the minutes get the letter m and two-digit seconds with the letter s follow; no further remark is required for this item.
6h08
